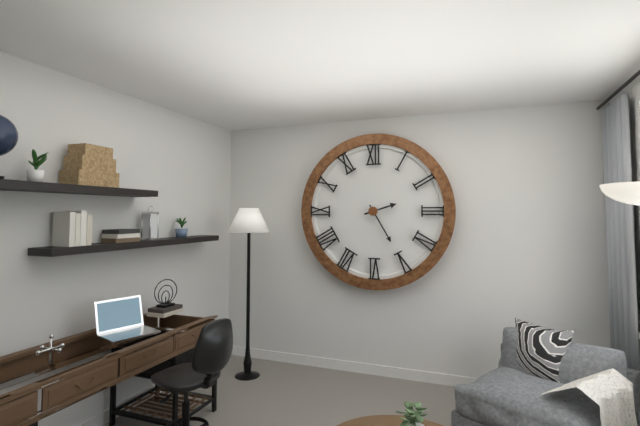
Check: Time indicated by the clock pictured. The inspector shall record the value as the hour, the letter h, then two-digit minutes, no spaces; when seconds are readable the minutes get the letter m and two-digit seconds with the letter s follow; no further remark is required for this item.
2h25
